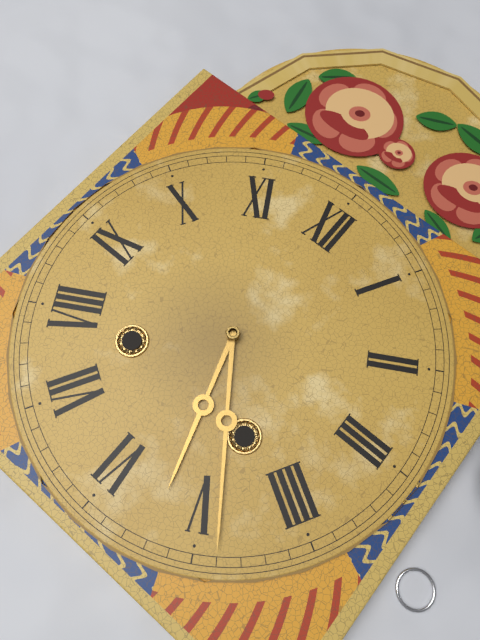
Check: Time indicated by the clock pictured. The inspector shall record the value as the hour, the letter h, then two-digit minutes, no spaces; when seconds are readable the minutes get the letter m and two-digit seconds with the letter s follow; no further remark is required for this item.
5h24
